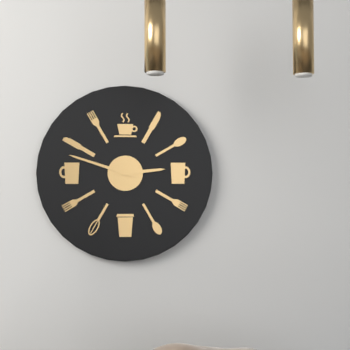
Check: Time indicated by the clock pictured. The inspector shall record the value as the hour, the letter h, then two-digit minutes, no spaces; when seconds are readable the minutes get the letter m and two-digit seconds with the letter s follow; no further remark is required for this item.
2h48
